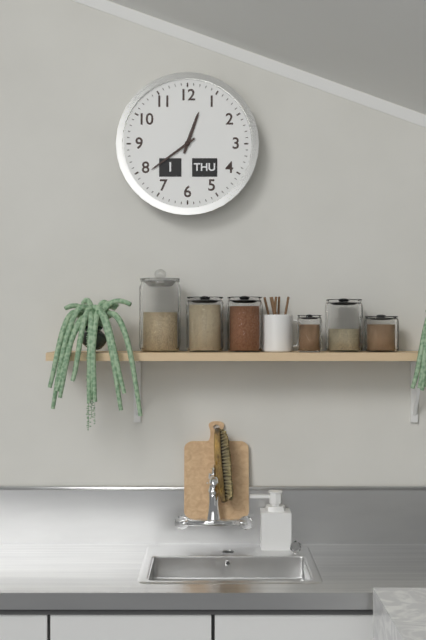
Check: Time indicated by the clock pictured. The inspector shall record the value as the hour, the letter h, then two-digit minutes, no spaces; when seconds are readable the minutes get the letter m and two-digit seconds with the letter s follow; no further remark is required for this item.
12h39
